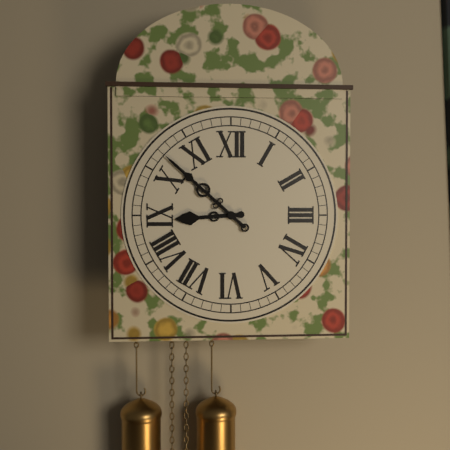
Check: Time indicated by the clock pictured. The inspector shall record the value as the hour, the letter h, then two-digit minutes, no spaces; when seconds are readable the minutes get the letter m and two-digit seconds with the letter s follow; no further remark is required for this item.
8h52
